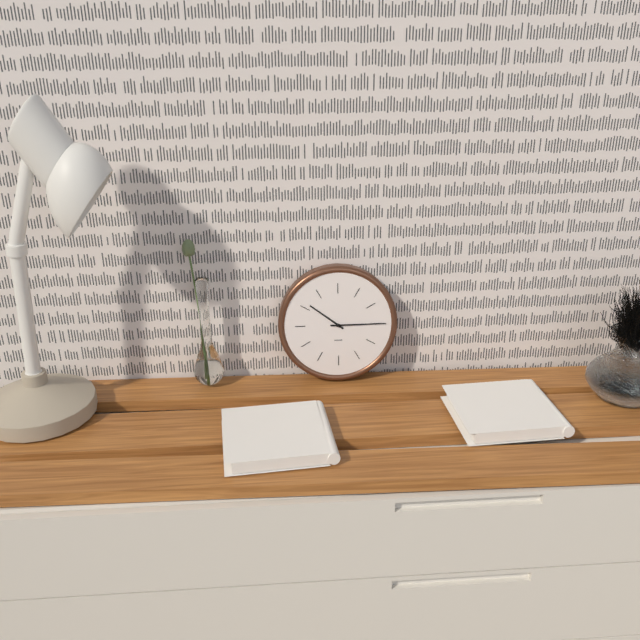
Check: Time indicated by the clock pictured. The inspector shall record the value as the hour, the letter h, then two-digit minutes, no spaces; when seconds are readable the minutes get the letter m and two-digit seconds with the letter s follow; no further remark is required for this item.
10h15
